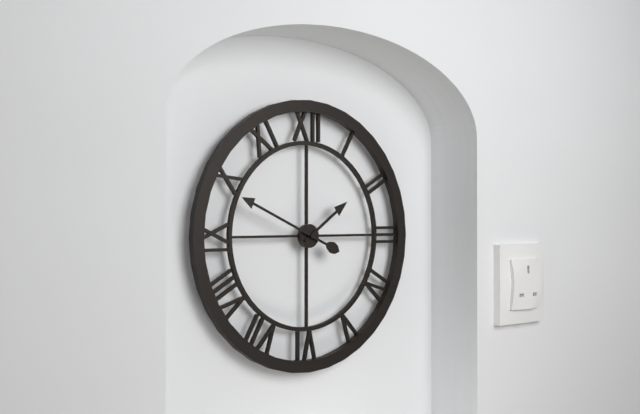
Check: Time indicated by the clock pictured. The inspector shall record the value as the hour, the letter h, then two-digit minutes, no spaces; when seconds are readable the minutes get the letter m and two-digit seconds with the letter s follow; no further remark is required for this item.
1h49
